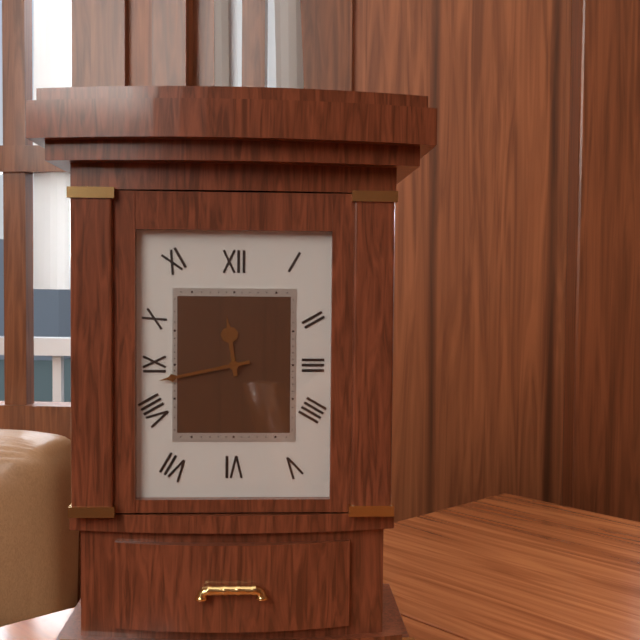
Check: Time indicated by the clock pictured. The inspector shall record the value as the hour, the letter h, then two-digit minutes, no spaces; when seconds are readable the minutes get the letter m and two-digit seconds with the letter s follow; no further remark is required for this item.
11h43
